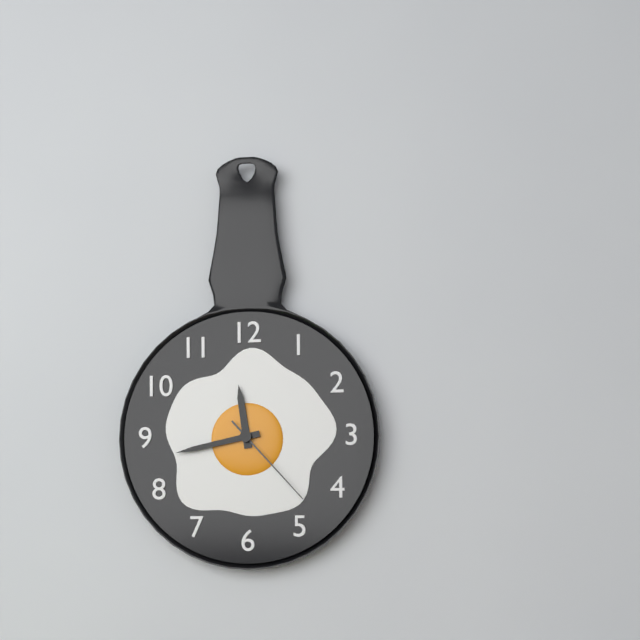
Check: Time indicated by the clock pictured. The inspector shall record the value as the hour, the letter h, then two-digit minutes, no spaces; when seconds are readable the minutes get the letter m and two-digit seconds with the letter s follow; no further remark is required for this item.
11h43m23s
